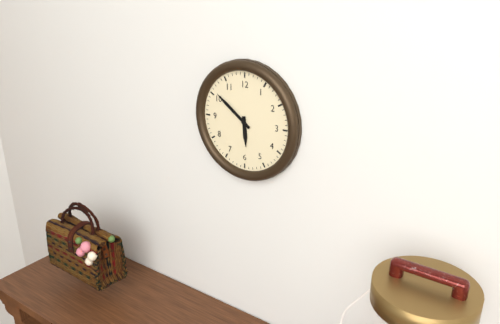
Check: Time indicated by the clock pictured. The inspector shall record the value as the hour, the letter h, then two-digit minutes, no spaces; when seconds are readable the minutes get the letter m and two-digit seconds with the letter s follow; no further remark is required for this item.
5h51
